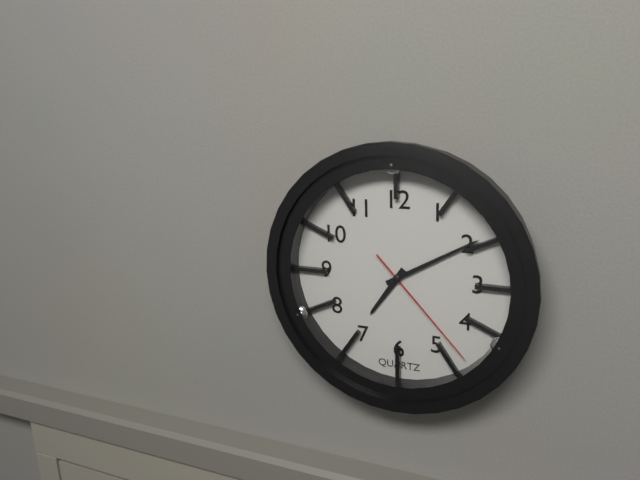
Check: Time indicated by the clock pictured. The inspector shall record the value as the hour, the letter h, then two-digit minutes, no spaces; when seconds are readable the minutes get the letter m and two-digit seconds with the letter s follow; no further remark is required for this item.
7h10m23s
